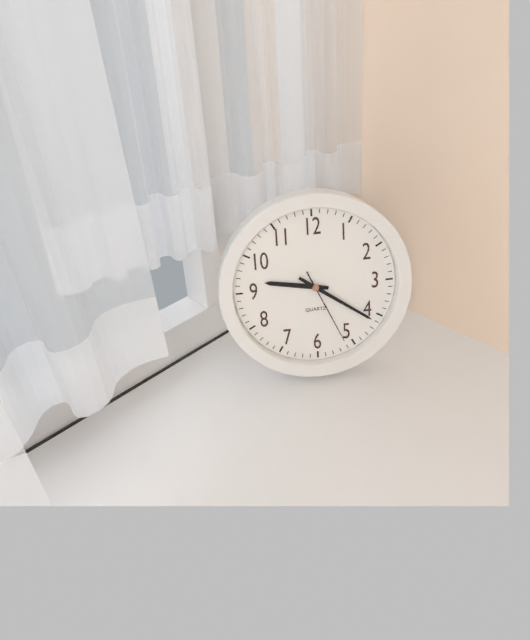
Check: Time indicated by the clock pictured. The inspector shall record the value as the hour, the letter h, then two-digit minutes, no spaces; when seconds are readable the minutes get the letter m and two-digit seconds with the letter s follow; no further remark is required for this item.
9h21m26s
